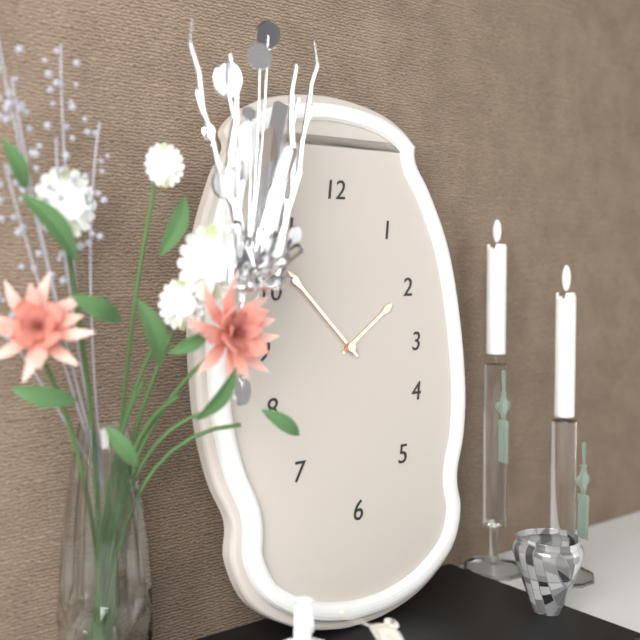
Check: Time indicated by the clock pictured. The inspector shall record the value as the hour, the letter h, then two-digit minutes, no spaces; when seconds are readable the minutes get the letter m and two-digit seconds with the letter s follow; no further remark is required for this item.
1h53
